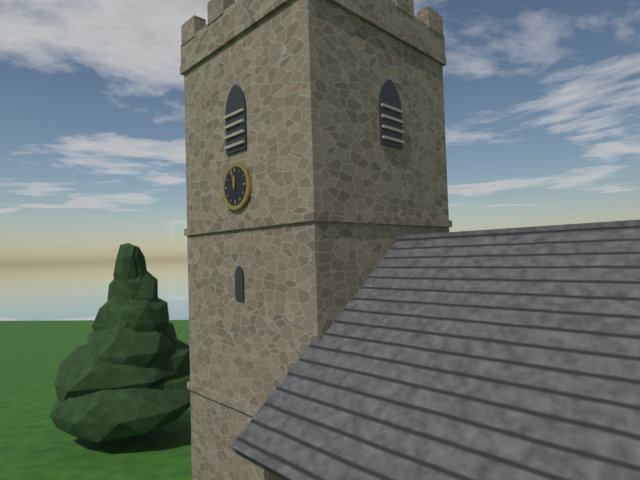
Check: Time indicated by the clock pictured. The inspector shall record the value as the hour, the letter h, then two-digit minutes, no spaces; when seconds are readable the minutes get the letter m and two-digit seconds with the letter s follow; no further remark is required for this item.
11h58
